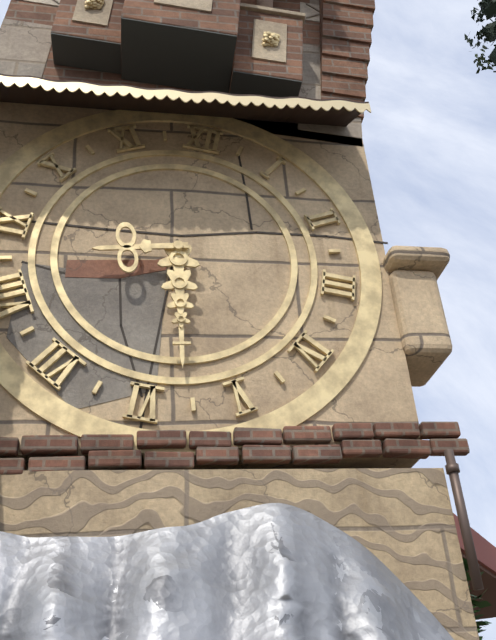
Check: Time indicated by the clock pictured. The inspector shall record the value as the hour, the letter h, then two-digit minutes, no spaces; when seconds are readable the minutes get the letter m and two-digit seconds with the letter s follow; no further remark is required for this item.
8h28
